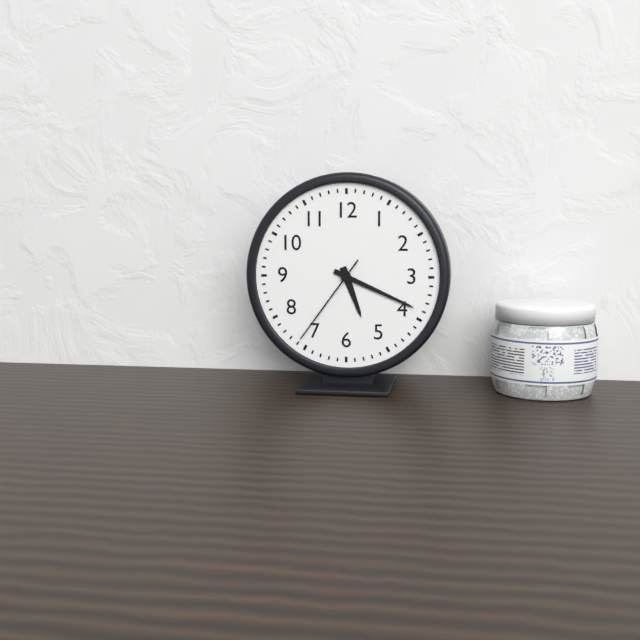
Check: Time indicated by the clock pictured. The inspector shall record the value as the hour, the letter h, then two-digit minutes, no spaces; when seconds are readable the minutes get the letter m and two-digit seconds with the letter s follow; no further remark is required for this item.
5h19m36s
